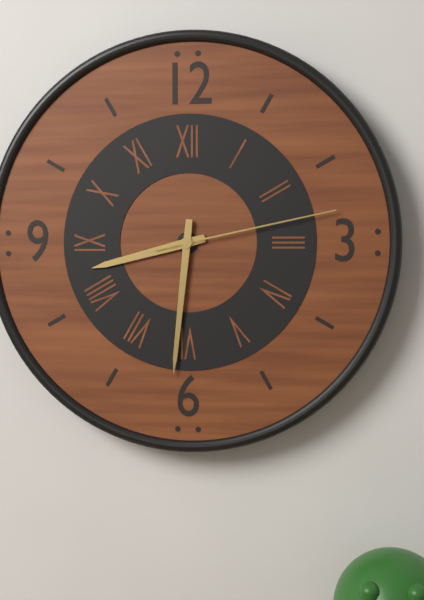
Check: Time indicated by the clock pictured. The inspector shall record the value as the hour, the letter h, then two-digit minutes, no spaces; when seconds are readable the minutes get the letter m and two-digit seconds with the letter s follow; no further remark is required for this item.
8h31m13s
